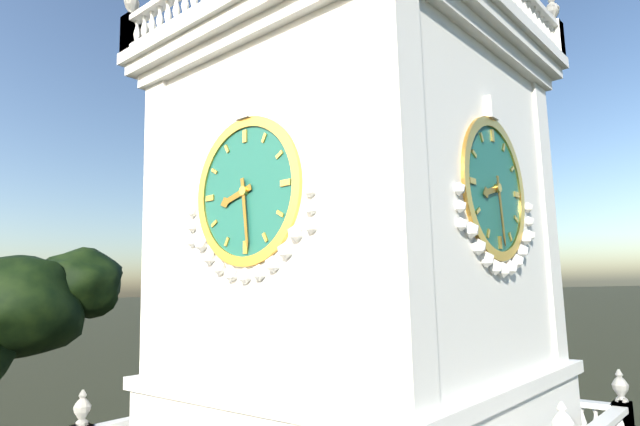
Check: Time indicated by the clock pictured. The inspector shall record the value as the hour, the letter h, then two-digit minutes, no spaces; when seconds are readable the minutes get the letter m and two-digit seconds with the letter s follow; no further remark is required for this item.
8h29
